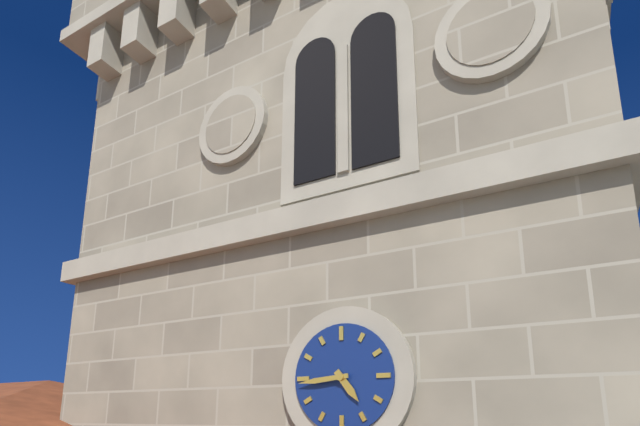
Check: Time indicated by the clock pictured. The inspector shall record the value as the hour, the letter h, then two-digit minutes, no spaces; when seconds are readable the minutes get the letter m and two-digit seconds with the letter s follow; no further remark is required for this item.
4h44
